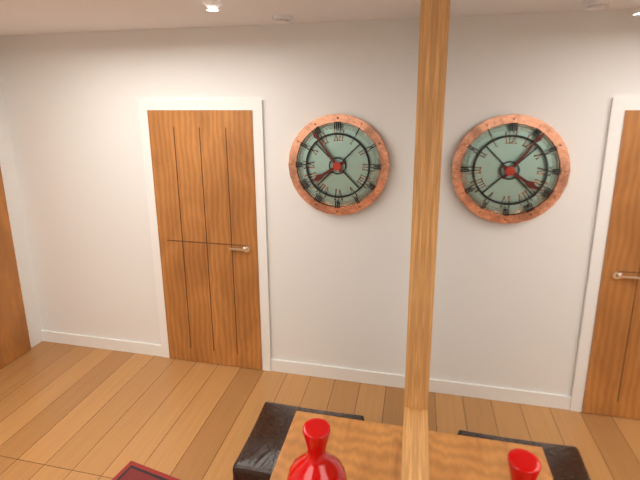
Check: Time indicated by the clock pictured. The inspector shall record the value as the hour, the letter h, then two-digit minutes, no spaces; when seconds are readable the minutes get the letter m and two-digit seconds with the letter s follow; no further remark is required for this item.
7h54
